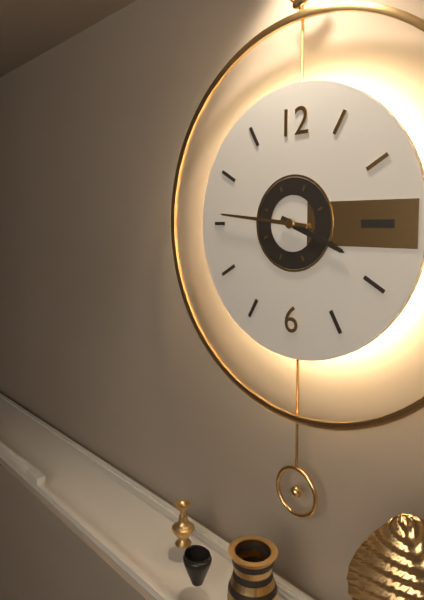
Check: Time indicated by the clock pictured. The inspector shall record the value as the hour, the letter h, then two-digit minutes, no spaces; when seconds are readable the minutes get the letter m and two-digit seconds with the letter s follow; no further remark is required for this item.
3h46
